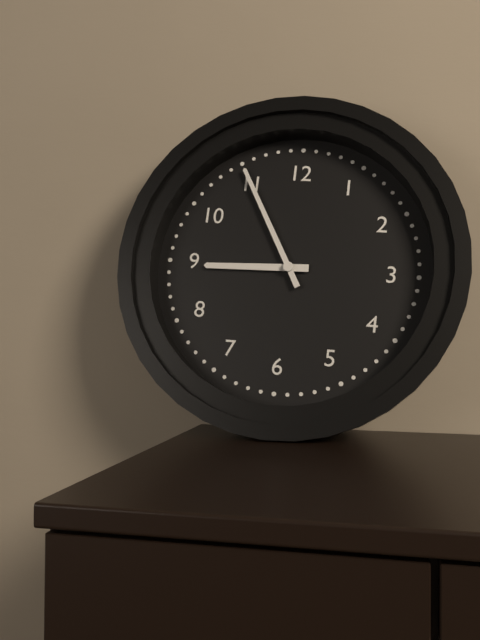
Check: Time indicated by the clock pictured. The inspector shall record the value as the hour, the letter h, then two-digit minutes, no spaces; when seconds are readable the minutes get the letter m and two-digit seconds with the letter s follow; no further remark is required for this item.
8h55
